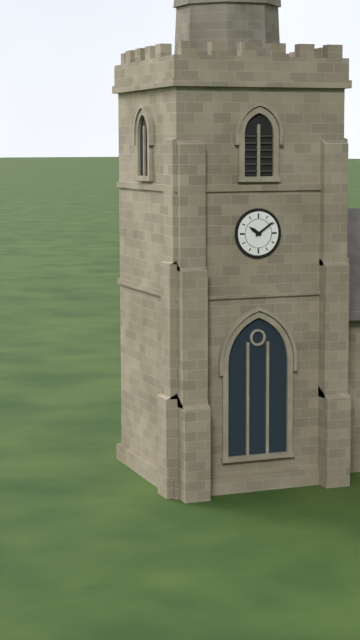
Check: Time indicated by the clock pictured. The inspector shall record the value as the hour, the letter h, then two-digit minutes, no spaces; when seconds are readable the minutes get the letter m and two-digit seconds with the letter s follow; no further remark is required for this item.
10h09
